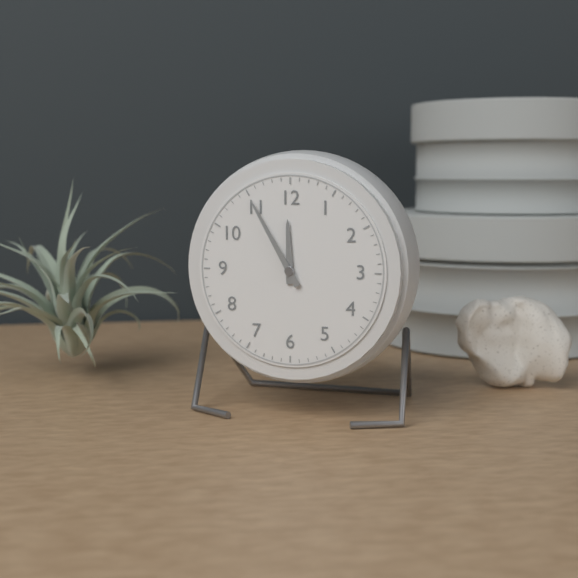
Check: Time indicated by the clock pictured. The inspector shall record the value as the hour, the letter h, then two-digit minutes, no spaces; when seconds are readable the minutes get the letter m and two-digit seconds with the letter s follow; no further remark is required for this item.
11h55
